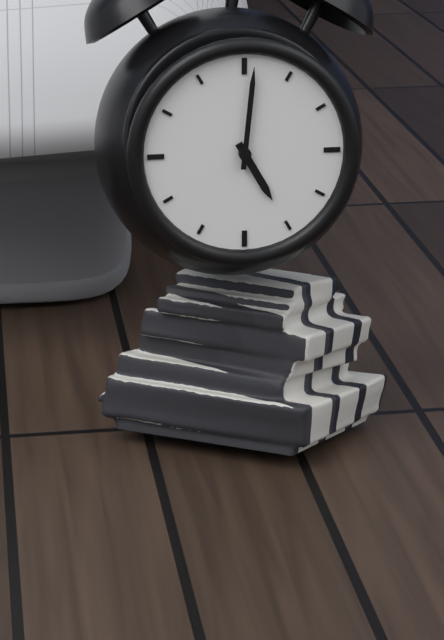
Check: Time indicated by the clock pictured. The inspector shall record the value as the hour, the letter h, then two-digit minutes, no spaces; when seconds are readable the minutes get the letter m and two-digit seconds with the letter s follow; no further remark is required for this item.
5h01
